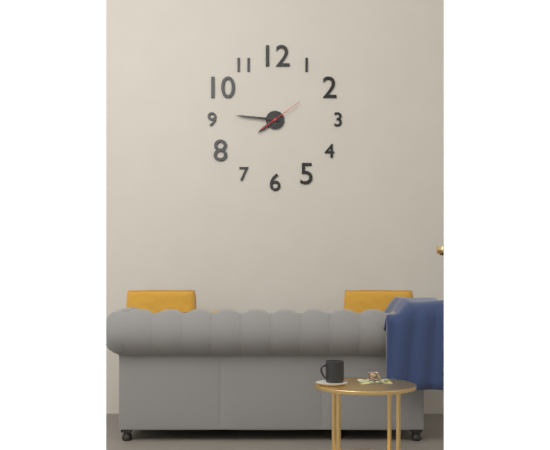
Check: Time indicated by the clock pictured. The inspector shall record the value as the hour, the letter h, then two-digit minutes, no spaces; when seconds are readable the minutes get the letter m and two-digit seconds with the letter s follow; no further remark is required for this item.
7h46
